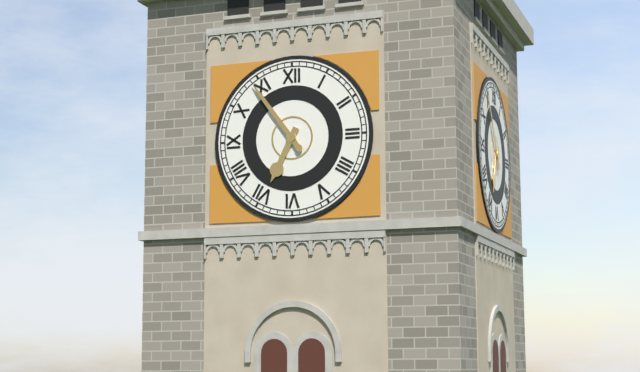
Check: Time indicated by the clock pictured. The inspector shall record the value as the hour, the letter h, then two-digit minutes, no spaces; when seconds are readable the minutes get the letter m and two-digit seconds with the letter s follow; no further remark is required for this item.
6h54
